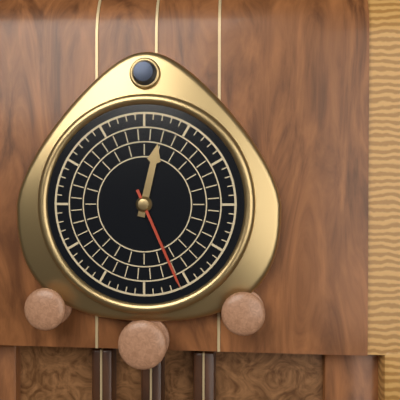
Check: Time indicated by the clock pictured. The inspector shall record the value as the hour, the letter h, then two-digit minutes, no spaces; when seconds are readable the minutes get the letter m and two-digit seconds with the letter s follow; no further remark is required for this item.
12h26
